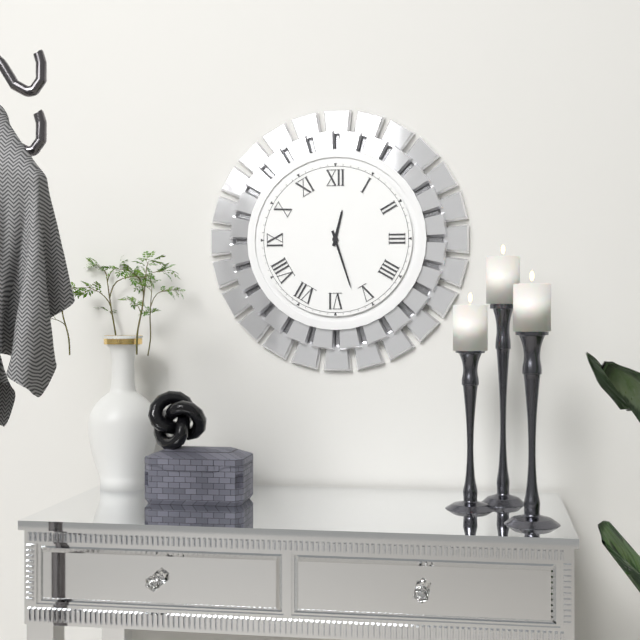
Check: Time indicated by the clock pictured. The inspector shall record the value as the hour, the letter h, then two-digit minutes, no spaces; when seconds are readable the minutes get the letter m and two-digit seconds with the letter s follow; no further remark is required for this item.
12h27
